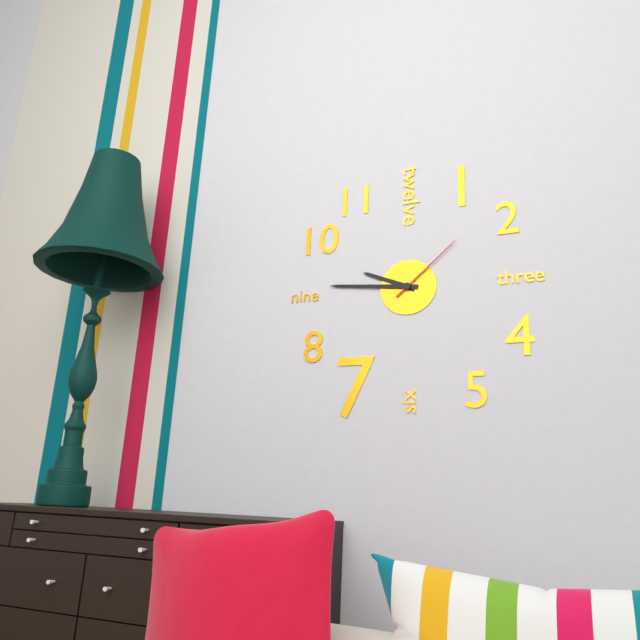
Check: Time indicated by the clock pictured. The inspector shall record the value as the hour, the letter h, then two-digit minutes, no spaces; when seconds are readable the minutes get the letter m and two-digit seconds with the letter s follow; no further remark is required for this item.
9h46m08s
